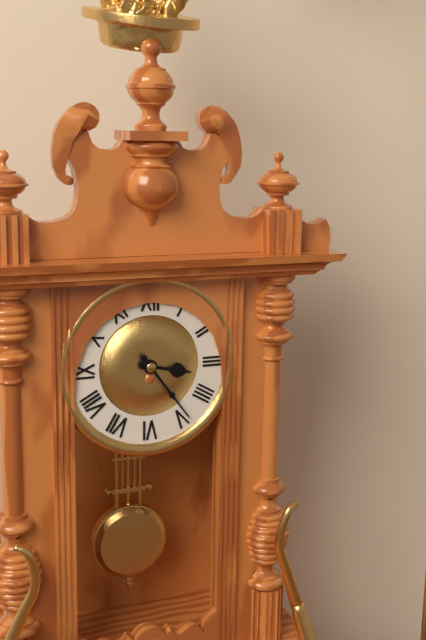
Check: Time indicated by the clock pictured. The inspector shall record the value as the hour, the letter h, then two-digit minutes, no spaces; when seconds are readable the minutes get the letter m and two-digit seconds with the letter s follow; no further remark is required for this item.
3h24
